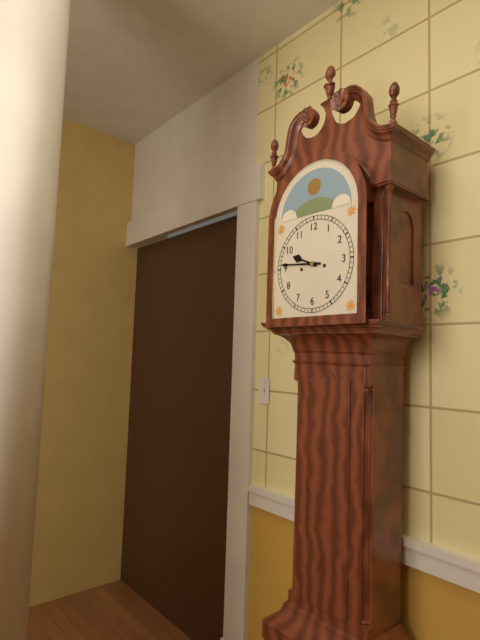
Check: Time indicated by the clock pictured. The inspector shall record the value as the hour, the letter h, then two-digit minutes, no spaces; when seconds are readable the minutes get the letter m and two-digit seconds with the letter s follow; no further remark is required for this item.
9h46
